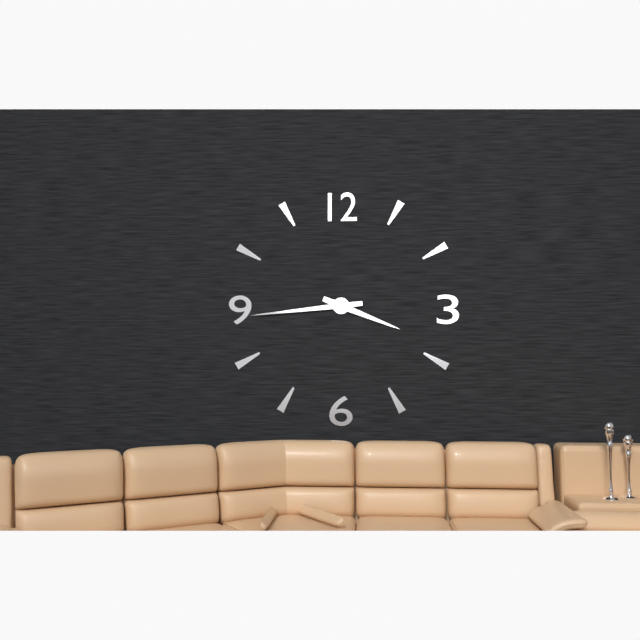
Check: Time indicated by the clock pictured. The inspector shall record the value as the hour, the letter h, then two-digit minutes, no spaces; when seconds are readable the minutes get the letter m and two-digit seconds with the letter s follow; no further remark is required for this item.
3h44
